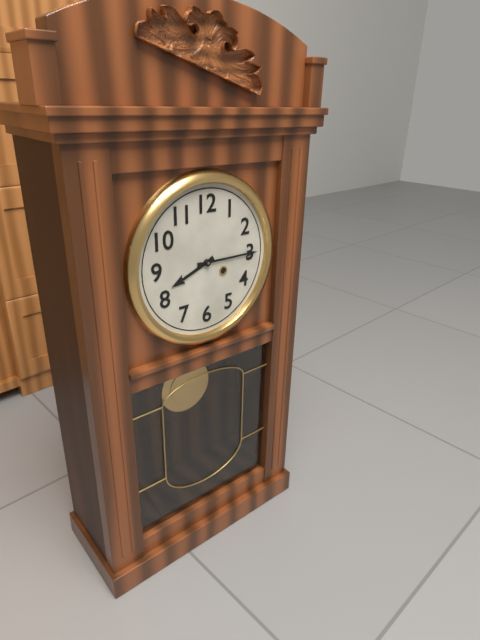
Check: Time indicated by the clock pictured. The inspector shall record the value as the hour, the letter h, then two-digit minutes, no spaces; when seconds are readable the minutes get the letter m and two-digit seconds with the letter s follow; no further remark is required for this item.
8h15
